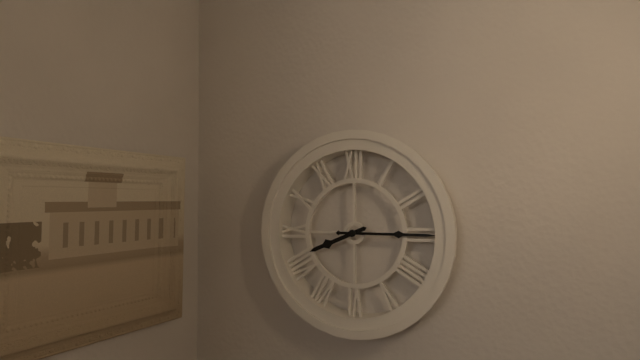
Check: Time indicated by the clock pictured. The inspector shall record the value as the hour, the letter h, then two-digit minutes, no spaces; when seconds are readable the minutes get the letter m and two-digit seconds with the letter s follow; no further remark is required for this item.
8h15
